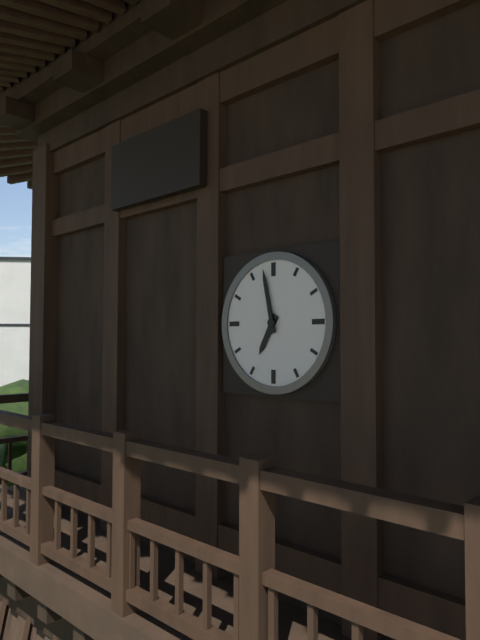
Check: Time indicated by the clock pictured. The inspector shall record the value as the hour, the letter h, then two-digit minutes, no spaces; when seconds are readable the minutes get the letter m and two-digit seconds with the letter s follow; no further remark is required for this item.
6h58
